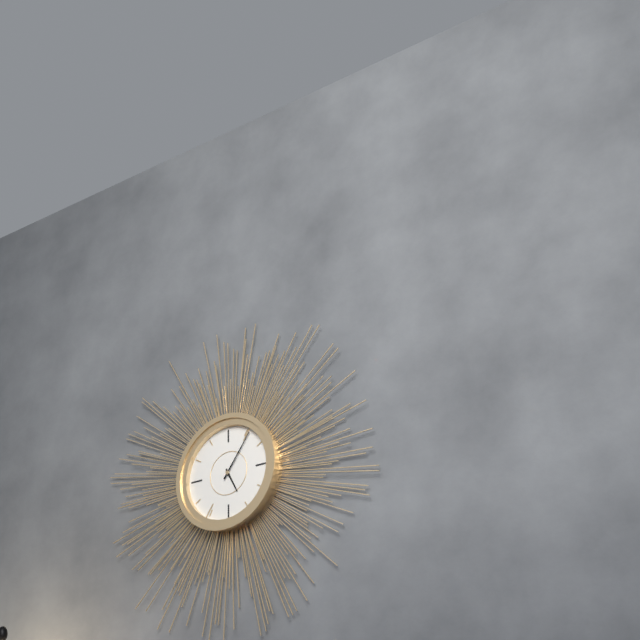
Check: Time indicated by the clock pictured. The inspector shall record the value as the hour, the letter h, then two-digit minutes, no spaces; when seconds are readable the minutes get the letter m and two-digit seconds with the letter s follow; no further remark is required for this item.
5h06
